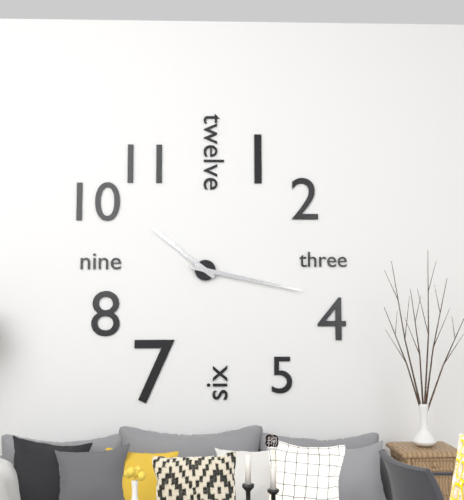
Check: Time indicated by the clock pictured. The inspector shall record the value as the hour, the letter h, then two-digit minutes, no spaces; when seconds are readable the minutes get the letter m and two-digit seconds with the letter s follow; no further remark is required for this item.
10h17
